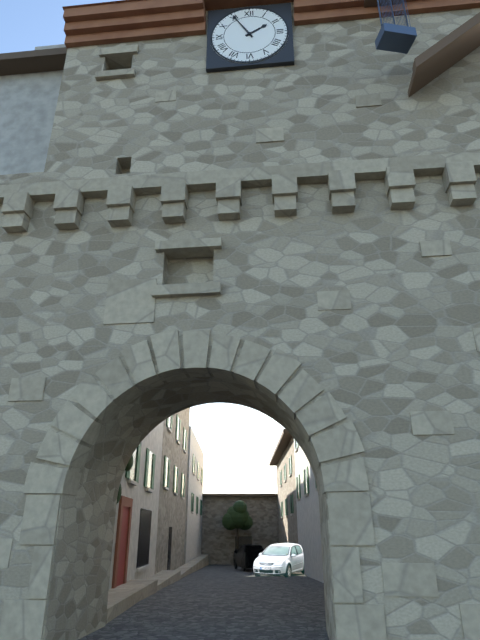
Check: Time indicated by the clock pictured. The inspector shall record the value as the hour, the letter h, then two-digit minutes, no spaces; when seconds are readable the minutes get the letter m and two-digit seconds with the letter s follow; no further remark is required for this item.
1h55
